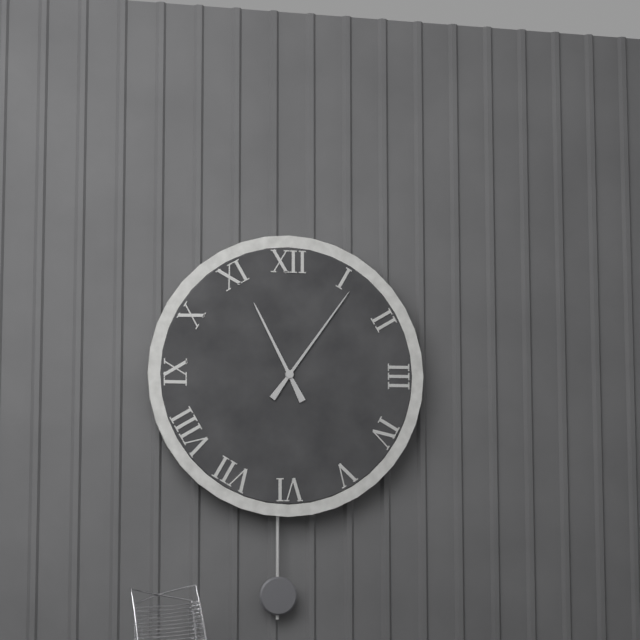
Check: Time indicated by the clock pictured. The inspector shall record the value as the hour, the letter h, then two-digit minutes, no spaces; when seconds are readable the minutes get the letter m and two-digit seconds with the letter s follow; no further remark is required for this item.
11h06
